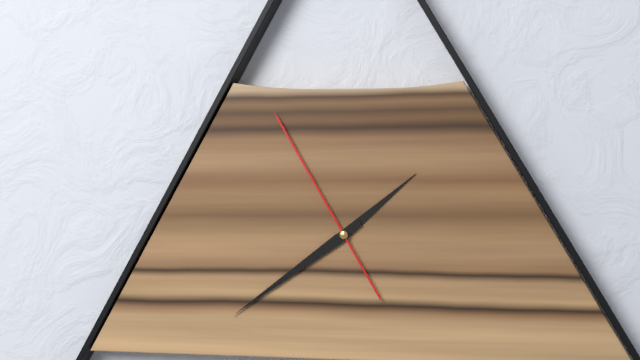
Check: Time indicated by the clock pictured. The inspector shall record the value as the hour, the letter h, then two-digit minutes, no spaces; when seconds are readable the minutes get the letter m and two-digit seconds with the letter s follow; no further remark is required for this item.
1h39m55s
